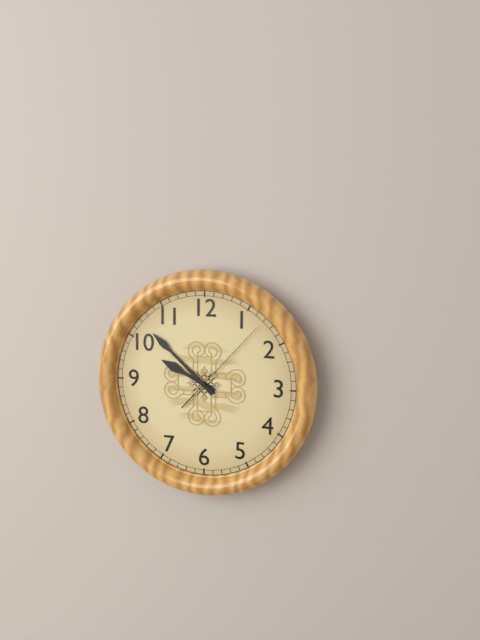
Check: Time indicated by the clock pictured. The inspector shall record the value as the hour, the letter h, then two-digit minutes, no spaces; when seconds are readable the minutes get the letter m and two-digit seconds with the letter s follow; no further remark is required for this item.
9h52m07s
